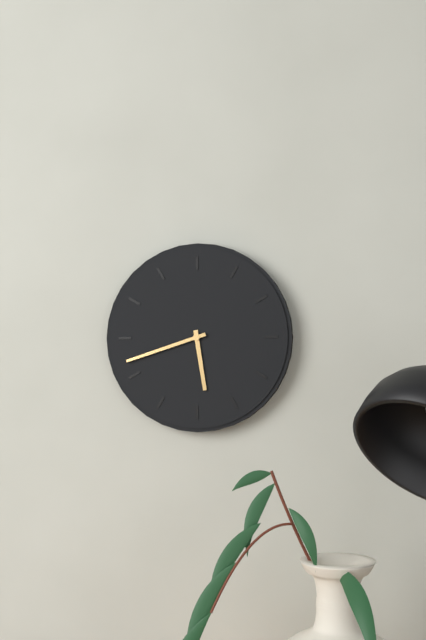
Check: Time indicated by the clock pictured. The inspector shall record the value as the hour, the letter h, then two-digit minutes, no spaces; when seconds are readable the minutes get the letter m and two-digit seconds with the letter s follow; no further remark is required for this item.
5h42
